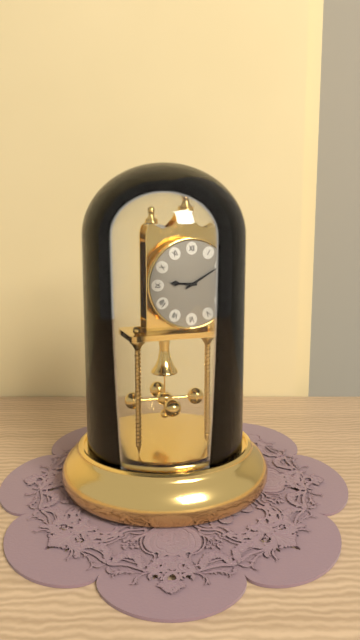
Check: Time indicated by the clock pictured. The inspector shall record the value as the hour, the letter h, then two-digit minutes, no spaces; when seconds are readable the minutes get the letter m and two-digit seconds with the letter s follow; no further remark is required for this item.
9h10
